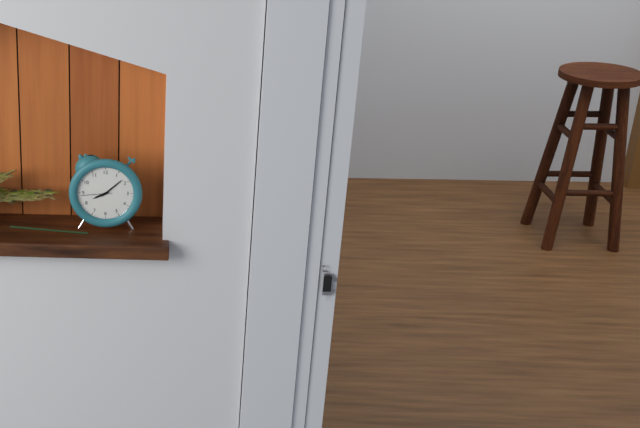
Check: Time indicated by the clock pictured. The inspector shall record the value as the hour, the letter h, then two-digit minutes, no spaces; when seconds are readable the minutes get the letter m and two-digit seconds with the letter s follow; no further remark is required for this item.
8h08
